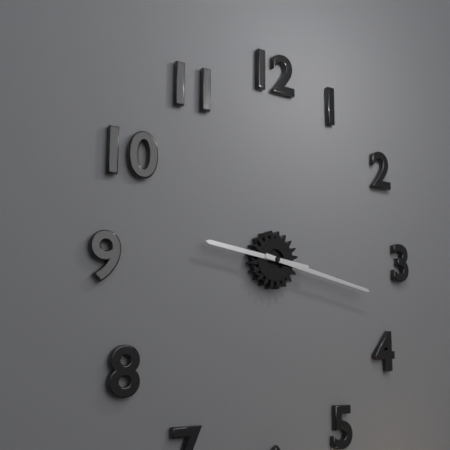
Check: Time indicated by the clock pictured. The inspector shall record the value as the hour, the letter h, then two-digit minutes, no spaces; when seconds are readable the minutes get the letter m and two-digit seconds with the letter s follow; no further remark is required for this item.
9h17
